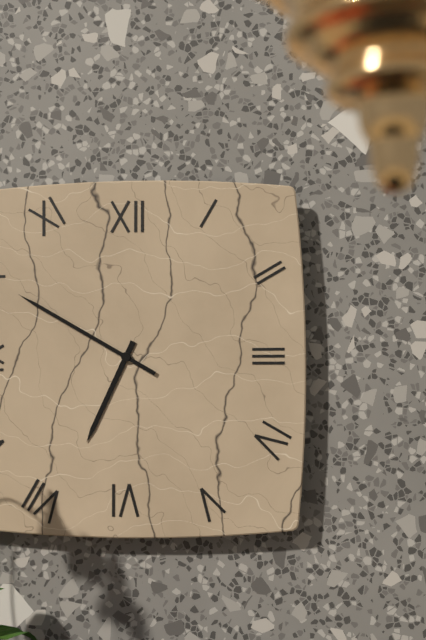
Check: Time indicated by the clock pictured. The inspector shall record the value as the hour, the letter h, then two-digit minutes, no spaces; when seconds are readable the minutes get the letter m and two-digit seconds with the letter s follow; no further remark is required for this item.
6h50
